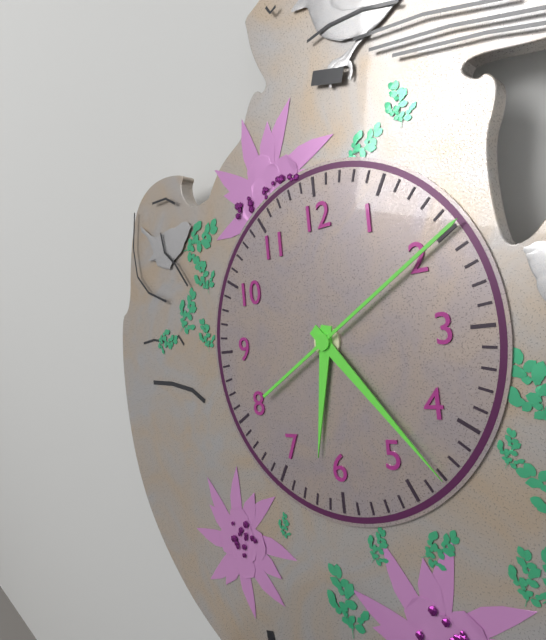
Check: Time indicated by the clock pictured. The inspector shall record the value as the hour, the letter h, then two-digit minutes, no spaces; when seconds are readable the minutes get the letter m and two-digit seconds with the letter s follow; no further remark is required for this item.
6h23m10s
